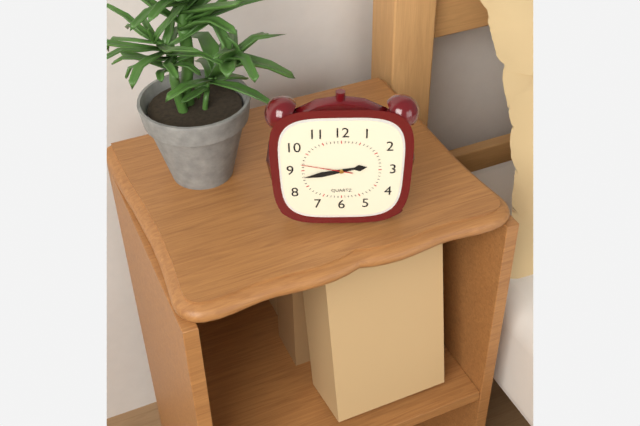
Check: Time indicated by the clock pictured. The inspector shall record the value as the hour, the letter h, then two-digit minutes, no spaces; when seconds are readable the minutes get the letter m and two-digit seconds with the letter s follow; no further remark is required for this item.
2h43m47s
